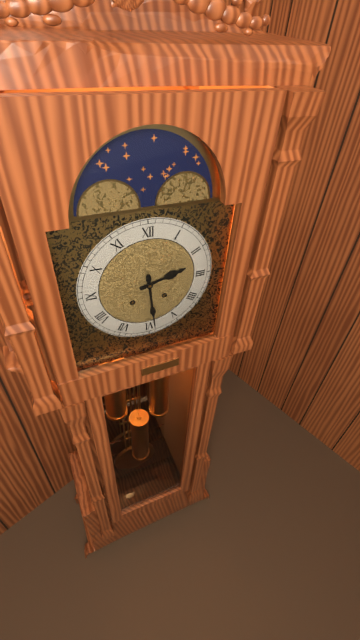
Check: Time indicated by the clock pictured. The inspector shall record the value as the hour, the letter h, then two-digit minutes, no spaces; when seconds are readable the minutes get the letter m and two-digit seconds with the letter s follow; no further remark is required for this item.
2h29
